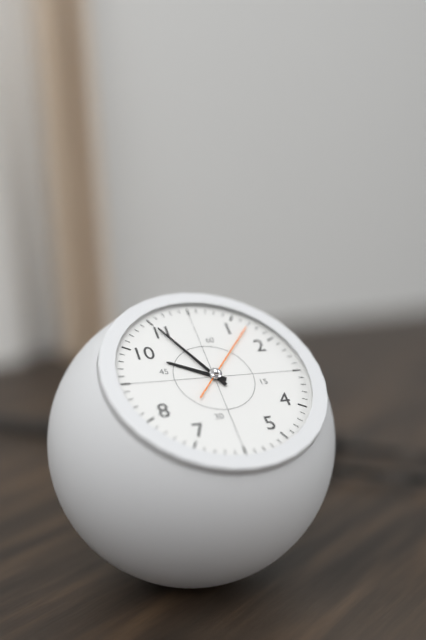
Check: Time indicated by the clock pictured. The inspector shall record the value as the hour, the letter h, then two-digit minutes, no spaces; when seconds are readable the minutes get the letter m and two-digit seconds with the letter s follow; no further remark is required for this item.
9h55m07s
